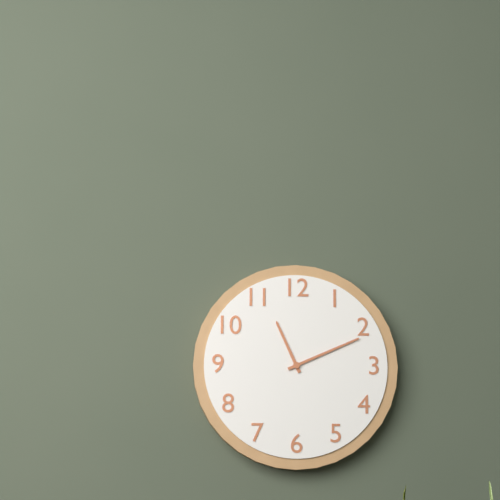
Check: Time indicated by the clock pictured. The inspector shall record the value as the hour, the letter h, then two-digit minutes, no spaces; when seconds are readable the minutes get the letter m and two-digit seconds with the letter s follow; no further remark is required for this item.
11h11
